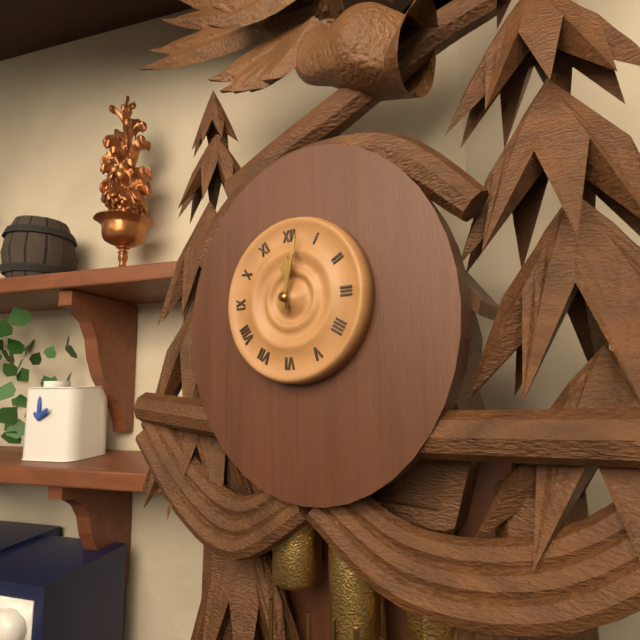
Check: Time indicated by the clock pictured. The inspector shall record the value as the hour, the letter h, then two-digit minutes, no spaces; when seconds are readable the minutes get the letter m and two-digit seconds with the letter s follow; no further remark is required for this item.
12h02
